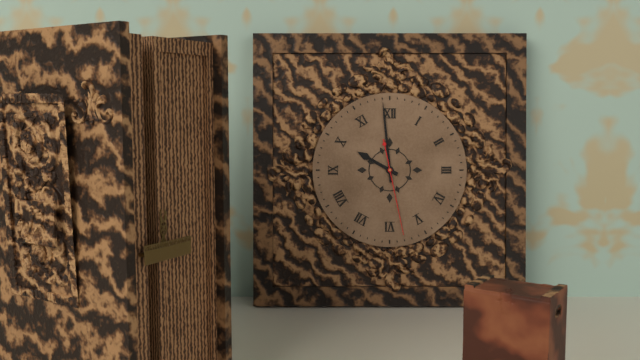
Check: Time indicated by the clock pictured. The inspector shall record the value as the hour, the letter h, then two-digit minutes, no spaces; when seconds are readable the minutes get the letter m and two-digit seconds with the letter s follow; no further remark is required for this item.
9h59m28s
